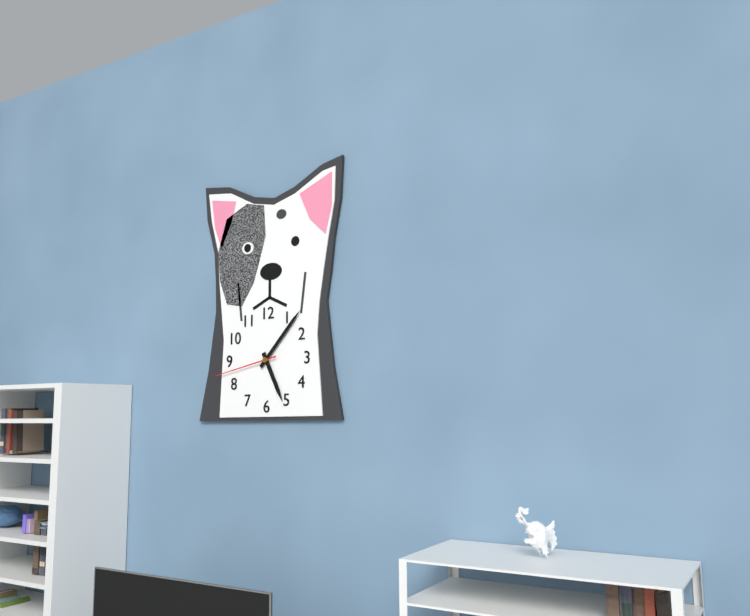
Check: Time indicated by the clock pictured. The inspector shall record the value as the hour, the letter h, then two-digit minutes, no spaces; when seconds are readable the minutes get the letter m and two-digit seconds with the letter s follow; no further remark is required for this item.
5h07m43s
